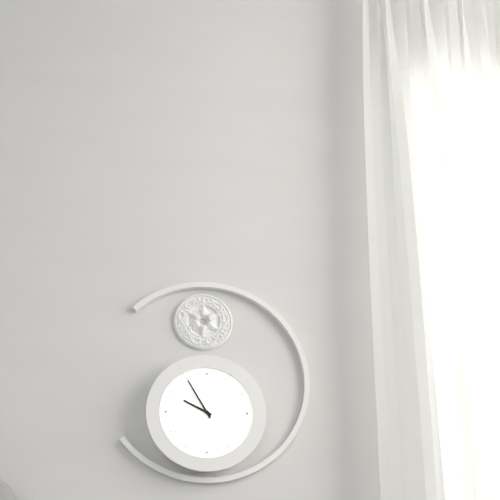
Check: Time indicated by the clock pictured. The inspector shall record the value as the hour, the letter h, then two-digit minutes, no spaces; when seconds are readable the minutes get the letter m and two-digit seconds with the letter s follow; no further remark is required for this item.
9h55
